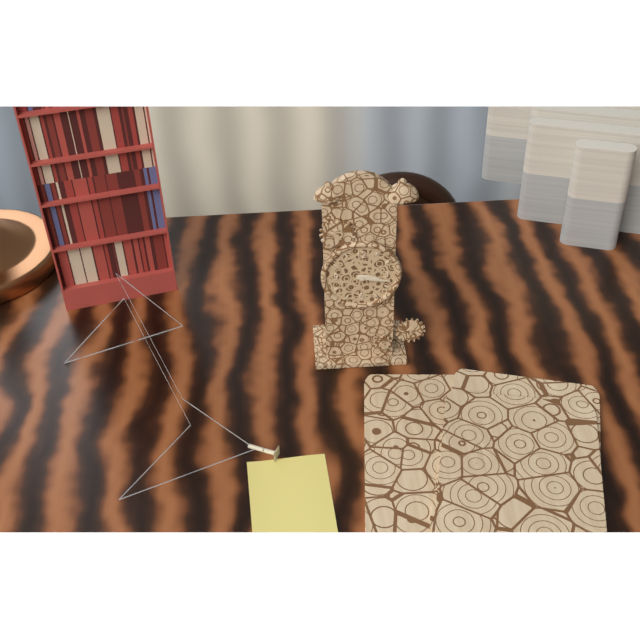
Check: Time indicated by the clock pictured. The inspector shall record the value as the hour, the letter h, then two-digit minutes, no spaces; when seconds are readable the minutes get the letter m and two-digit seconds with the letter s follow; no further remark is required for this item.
3h17
